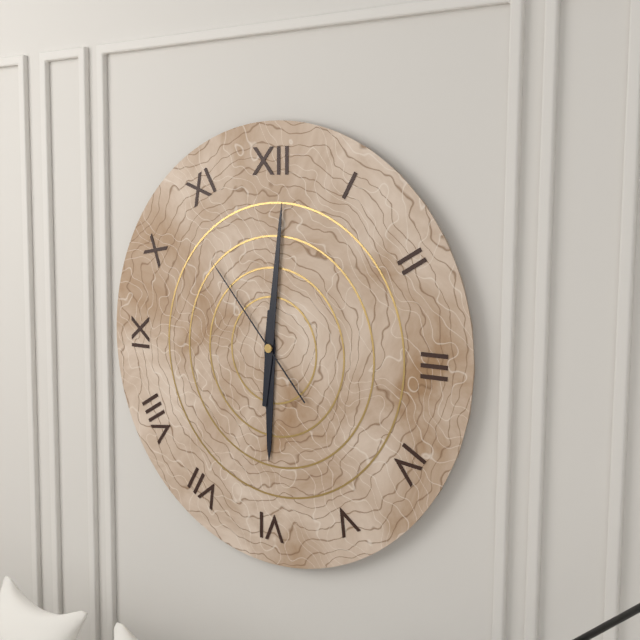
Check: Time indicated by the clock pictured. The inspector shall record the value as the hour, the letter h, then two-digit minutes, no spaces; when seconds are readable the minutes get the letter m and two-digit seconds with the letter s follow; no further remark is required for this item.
6h01m53s
